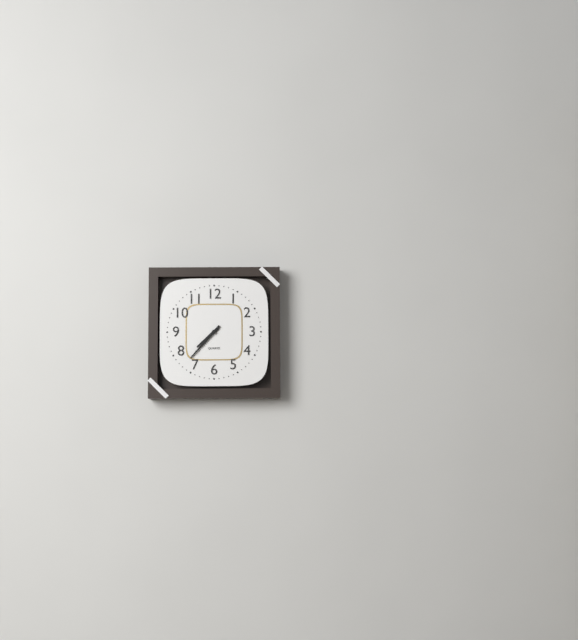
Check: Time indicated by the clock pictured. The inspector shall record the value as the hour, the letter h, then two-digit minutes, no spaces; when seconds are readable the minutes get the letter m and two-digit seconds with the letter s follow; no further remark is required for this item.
7h37
